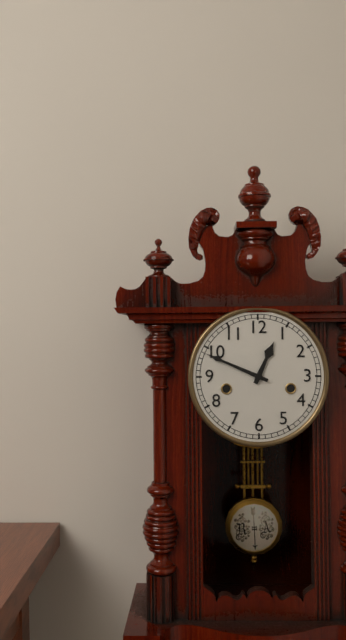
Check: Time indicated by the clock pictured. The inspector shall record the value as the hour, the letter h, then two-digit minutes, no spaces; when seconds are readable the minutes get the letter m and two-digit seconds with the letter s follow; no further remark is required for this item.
12h49
